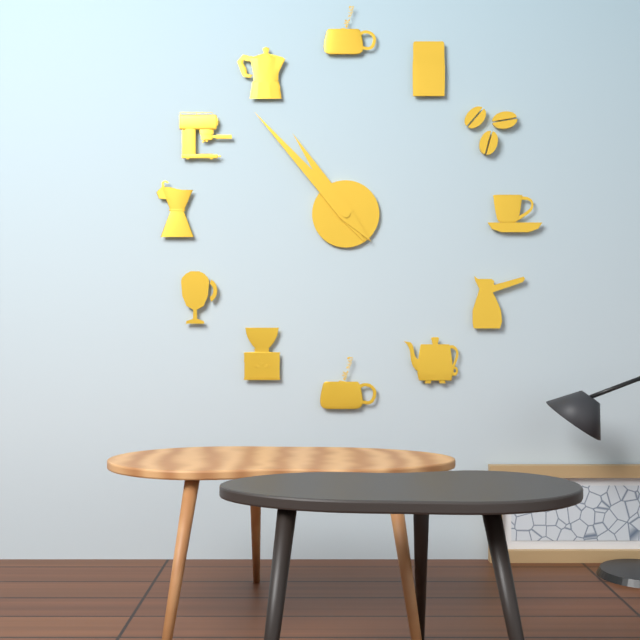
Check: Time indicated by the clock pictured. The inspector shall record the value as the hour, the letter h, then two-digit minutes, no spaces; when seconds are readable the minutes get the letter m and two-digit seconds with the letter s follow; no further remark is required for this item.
10h53
